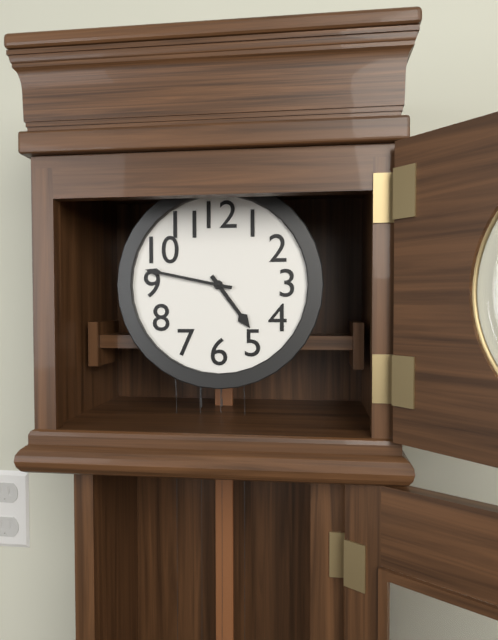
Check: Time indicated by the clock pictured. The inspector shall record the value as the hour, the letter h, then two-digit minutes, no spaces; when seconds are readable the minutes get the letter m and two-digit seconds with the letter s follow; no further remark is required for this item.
4h47
